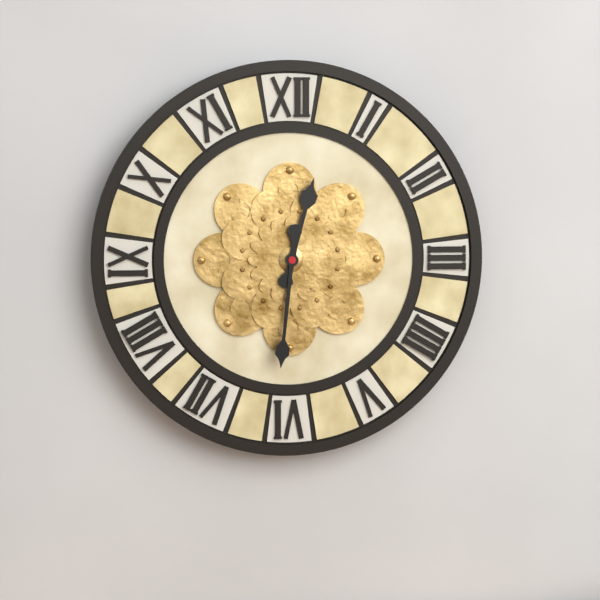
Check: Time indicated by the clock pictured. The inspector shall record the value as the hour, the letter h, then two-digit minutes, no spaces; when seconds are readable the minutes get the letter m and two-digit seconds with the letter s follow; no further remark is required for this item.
12h31
